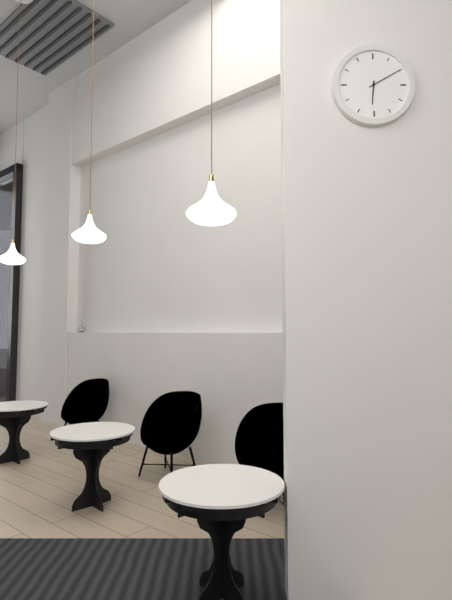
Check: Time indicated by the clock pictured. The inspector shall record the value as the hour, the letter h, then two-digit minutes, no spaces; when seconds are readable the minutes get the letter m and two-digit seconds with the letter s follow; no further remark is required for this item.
6h10
